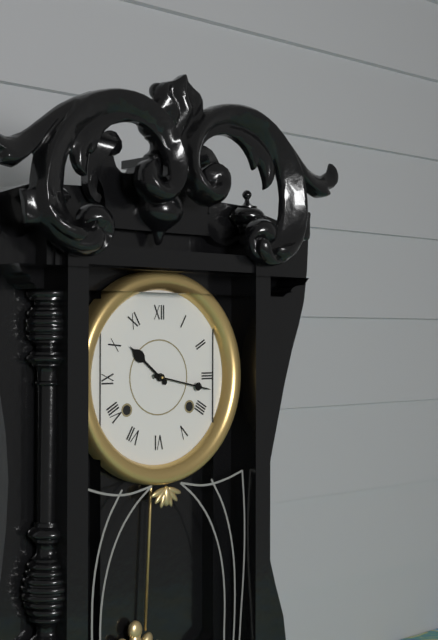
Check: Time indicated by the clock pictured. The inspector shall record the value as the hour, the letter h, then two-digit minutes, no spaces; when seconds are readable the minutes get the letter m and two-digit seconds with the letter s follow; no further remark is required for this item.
10h17
